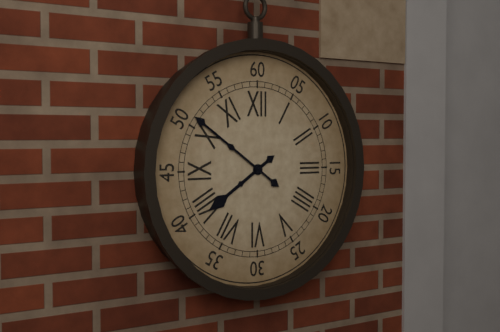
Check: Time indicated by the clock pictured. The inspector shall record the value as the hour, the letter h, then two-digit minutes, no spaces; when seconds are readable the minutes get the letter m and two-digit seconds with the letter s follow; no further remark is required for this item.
7h51
